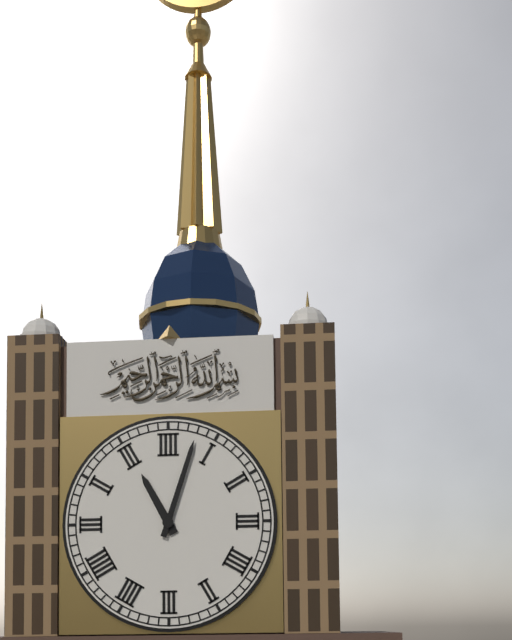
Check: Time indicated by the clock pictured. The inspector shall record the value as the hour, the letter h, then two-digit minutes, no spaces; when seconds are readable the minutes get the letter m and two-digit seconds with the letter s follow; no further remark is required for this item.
11h03
